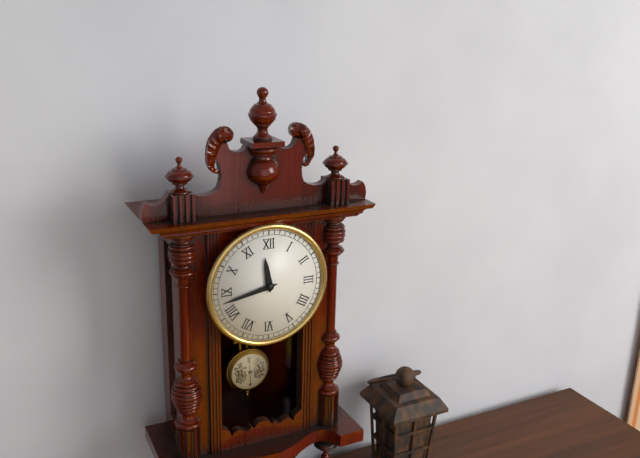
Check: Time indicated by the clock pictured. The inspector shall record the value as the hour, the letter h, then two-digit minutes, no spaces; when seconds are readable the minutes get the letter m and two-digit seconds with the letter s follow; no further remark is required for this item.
11h43
